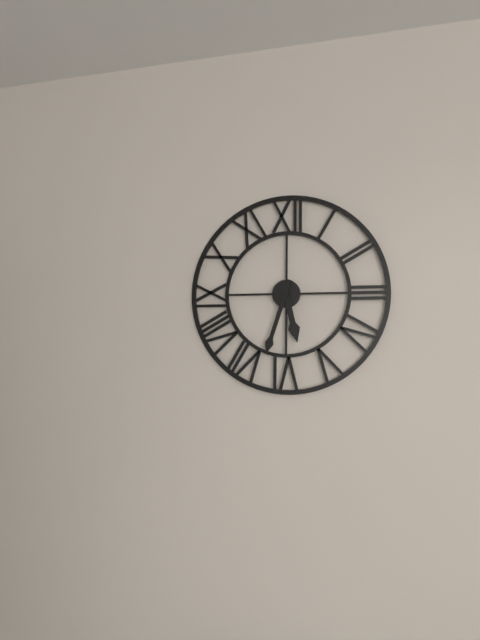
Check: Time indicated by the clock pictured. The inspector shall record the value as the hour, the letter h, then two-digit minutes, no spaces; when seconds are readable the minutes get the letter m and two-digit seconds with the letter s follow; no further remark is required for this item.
5h33
